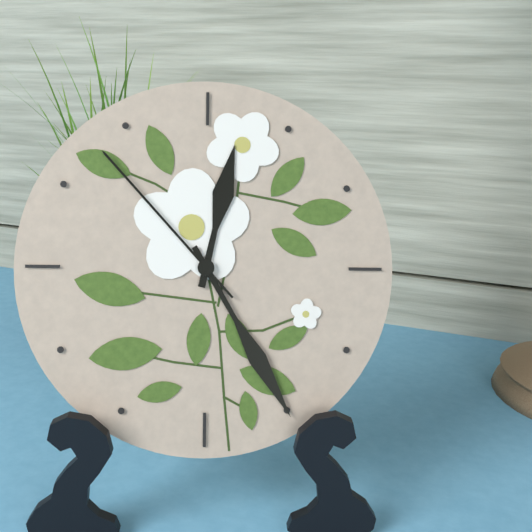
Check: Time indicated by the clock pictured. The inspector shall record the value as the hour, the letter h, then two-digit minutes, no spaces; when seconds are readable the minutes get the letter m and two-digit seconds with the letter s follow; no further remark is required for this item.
12h25m53s
